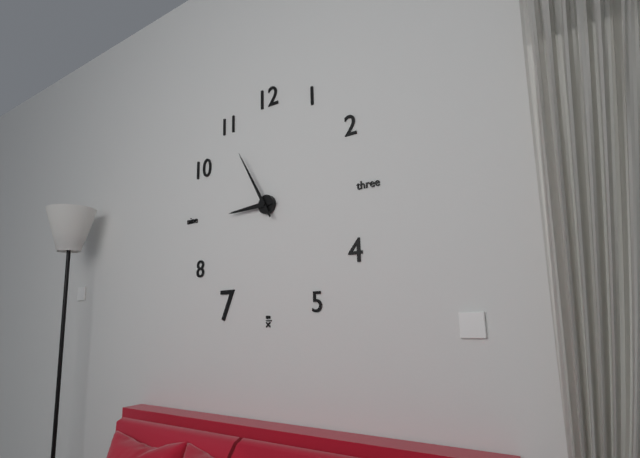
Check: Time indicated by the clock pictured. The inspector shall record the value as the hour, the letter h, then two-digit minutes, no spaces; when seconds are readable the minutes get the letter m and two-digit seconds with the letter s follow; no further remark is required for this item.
8h55
